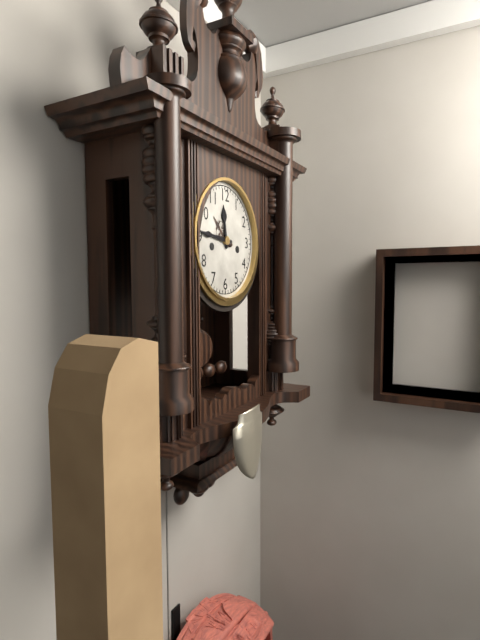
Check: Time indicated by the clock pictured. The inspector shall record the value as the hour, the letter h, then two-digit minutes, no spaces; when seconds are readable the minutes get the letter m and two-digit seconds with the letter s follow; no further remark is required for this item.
11h46
